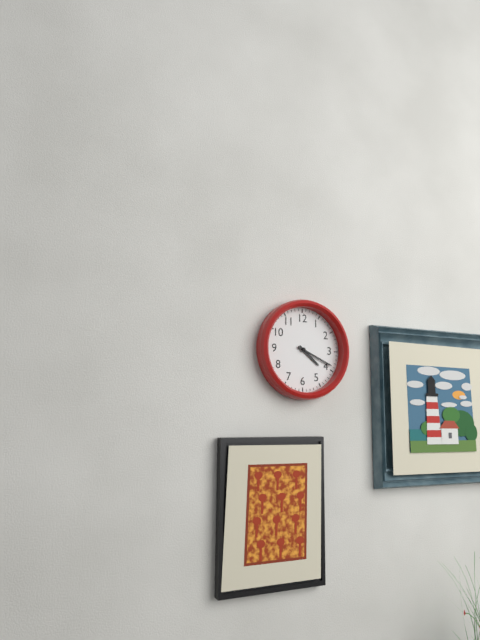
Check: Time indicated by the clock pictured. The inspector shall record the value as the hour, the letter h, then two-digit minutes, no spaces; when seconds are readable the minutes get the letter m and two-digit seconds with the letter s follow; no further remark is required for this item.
4h19
